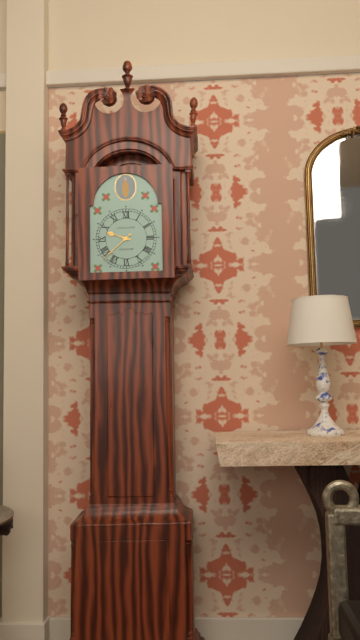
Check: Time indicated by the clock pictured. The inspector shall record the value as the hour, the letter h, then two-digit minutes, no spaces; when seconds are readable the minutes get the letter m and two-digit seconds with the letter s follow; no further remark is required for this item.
9h38
